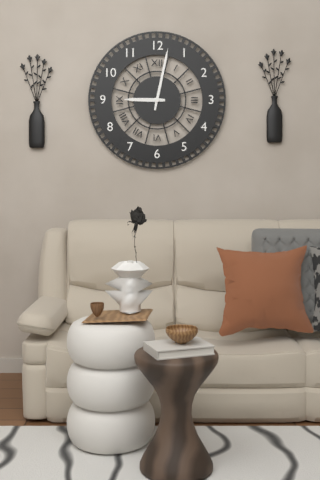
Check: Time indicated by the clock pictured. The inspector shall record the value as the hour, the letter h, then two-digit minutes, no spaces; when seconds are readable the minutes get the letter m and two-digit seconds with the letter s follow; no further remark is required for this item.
9h02
